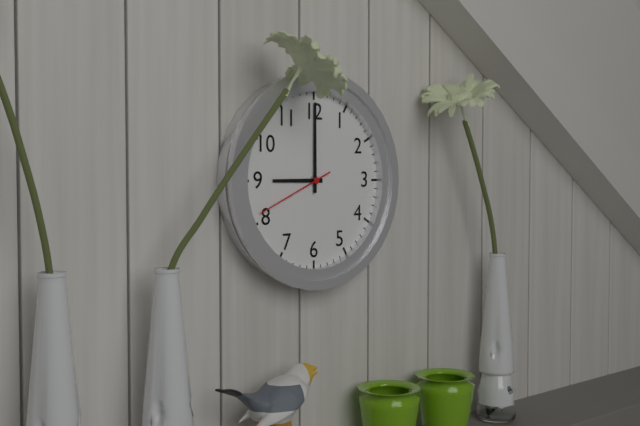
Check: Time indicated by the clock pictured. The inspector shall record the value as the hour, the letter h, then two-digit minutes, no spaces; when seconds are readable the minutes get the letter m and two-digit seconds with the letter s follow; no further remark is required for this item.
9h00m41s
